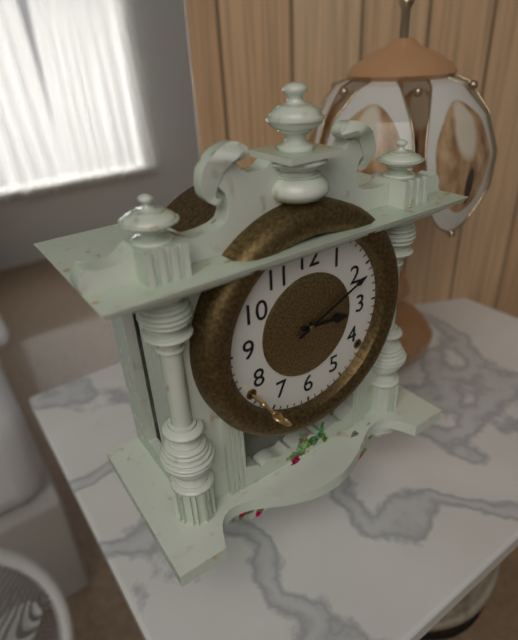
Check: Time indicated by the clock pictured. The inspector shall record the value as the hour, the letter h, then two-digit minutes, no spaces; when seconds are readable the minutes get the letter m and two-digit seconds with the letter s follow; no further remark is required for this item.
3h11
